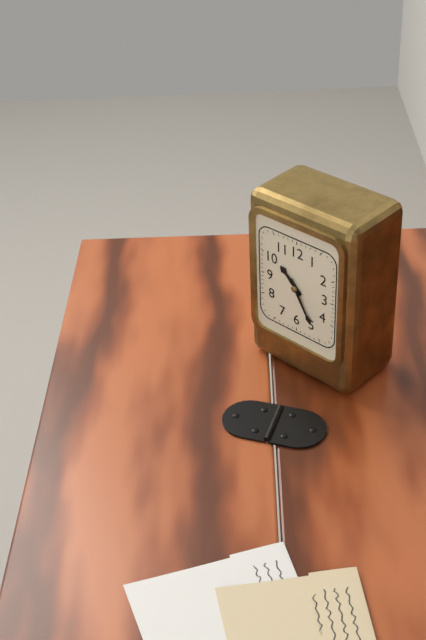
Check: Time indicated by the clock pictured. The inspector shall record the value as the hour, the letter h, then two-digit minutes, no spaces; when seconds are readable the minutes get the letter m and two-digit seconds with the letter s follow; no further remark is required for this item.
10h25
